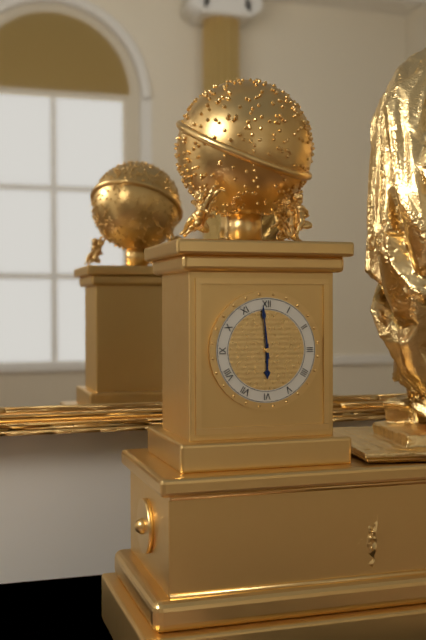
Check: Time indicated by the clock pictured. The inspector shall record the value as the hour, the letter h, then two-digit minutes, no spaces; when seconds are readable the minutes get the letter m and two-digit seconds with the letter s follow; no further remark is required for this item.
5h59
